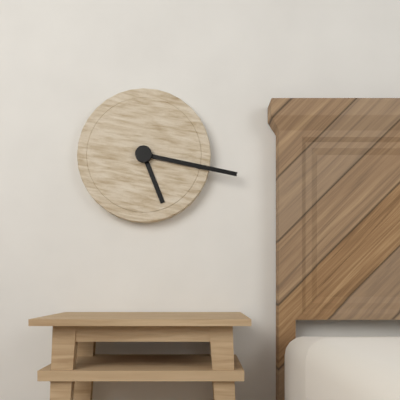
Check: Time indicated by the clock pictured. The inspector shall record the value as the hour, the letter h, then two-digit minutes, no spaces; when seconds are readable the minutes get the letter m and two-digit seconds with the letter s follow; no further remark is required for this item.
5h17
